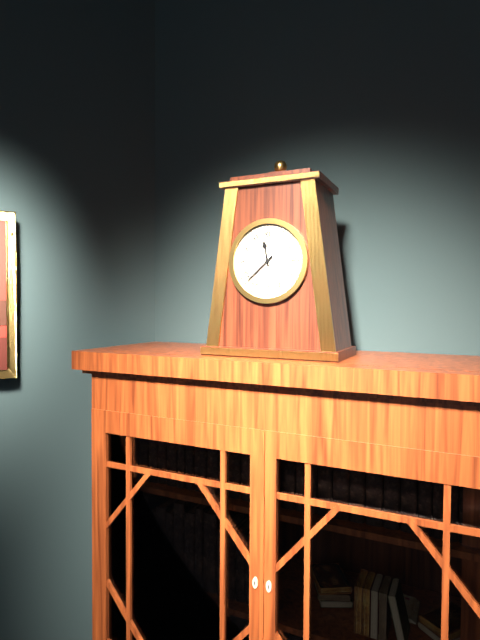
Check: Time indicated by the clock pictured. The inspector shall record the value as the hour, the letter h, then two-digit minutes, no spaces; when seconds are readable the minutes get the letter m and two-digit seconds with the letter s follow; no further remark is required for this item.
11h38
